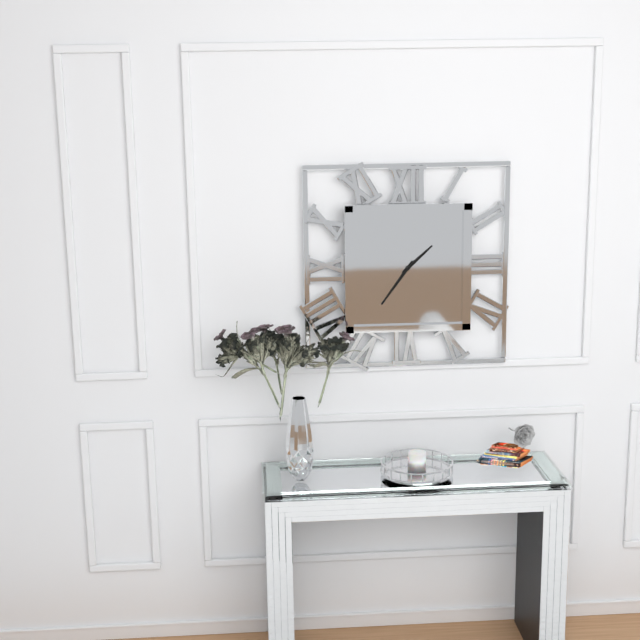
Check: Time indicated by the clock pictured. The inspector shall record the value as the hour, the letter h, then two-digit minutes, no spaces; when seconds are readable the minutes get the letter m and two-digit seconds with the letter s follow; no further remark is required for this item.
1h36
